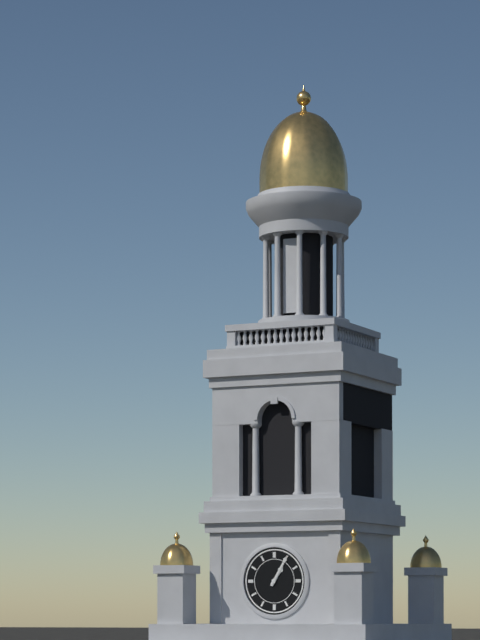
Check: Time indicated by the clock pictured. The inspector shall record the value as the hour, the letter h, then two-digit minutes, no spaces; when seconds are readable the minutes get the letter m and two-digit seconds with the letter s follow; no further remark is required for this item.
1h05
